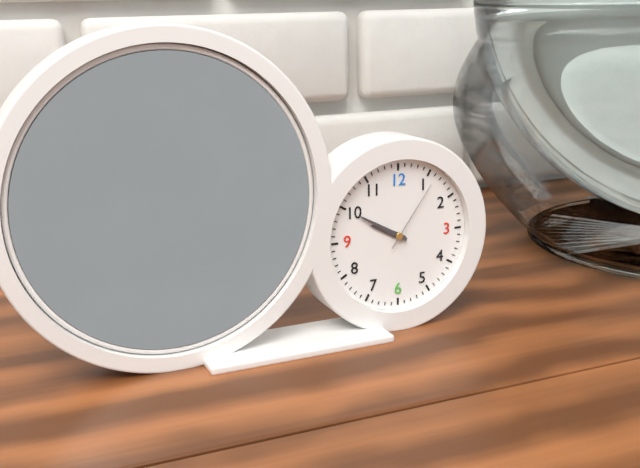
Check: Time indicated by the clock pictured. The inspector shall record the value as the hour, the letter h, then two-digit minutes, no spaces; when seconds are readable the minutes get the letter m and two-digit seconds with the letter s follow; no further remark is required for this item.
9h50m06s
